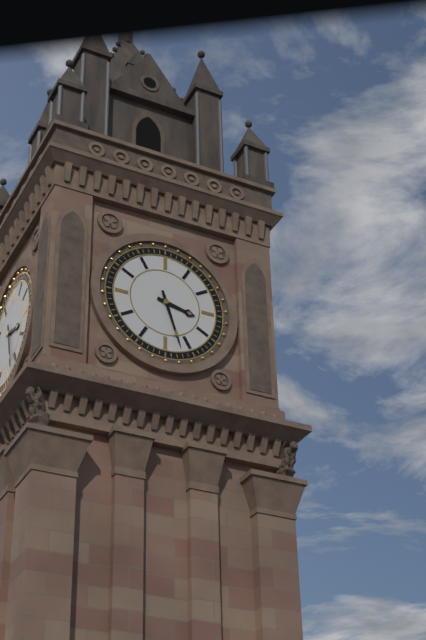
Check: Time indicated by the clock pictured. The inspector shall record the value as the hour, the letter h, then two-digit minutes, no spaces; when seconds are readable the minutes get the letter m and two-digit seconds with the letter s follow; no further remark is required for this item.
3h27
